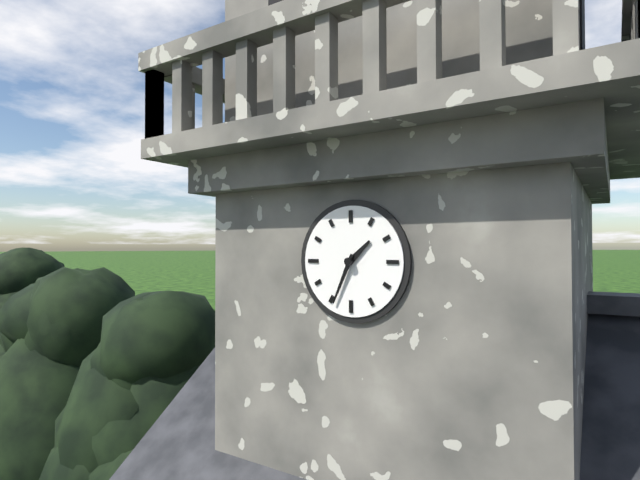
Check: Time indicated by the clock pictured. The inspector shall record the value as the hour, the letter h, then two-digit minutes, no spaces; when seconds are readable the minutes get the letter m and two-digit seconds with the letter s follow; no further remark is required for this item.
1h34
